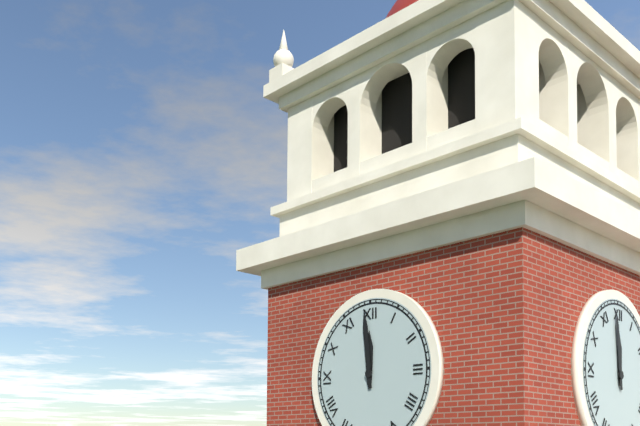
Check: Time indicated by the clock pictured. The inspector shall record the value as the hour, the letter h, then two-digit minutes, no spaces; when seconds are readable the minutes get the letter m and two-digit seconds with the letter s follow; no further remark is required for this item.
11h59
